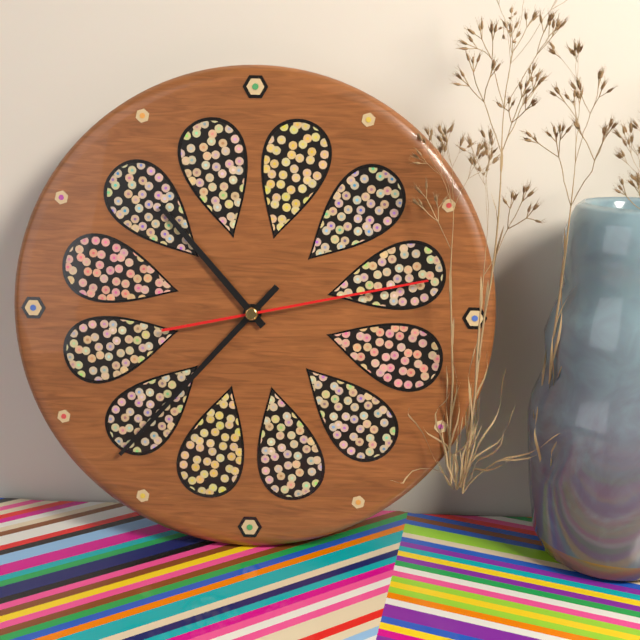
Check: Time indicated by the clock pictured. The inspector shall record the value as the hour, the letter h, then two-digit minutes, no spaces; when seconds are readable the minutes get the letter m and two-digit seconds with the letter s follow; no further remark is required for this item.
10h37m13s
